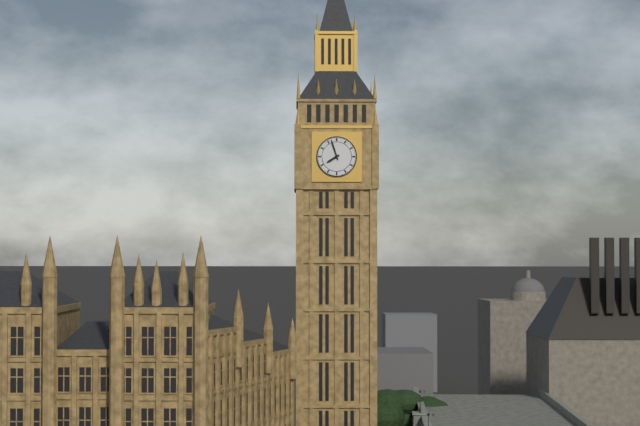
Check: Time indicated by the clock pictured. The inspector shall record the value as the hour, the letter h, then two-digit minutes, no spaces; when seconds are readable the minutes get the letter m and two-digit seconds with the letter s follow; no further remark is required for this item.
7h57
